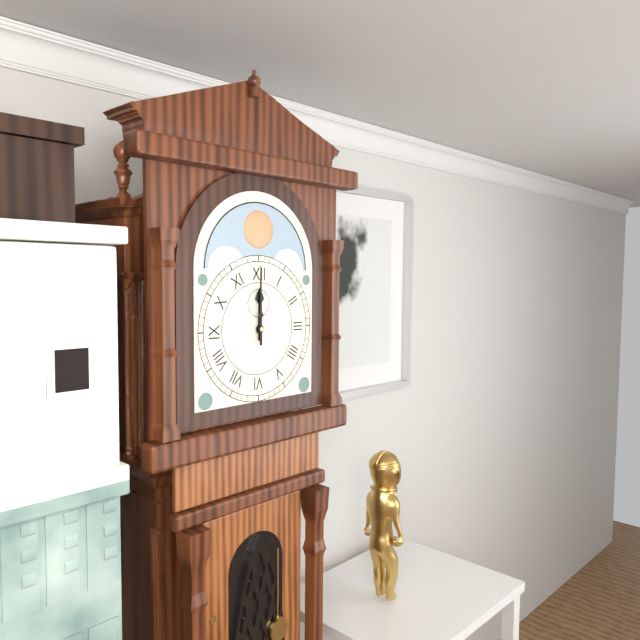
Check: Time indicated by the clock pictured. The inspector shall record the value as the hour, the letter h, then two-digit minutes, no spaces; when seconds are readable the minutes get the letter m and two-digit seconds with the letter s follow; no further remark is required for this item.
12h00
